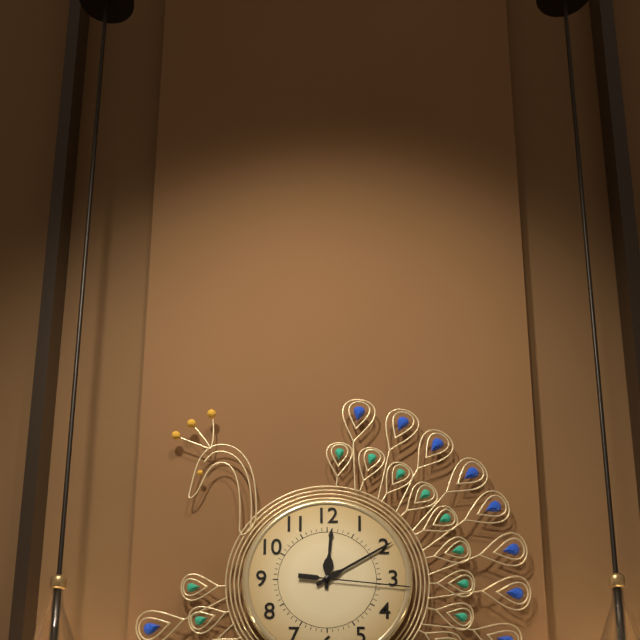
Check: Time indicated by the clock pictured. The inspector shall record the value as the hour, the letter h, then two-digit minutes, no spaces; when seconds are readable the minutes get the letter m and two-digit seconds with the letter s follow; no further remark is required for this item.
12h10m16s
